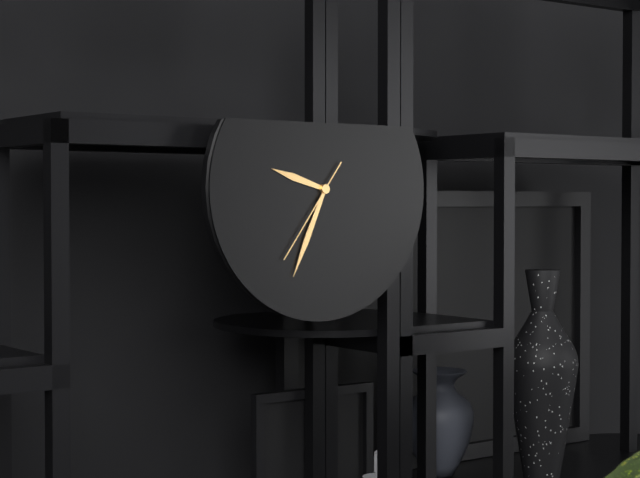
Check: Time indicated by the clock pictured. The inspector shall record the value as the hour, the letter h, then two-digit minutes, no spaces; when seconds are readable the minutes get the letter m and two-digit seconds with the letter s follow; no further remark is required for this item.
9h34m36s
